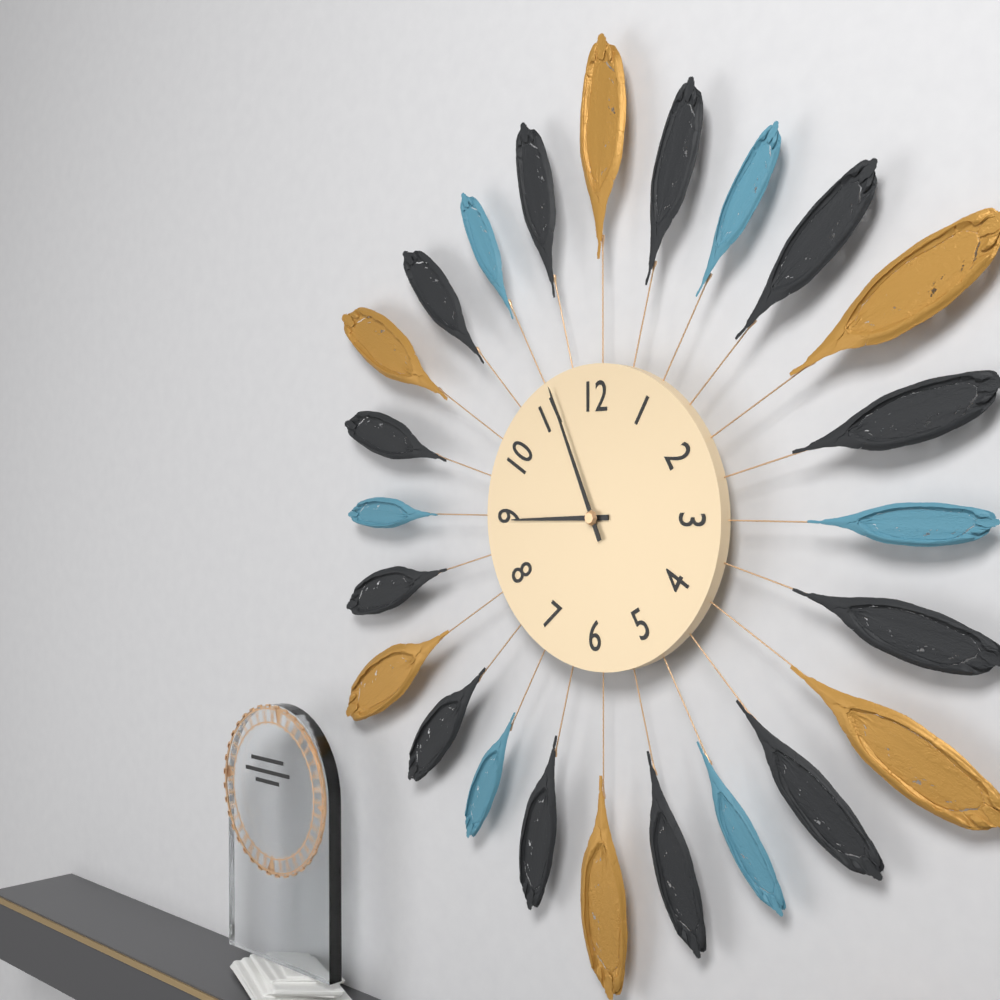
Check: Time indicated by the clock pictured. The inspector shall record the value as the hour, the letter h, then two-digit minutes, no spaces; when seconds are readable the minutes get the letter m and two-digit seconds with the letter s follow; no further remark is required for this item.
8h56
